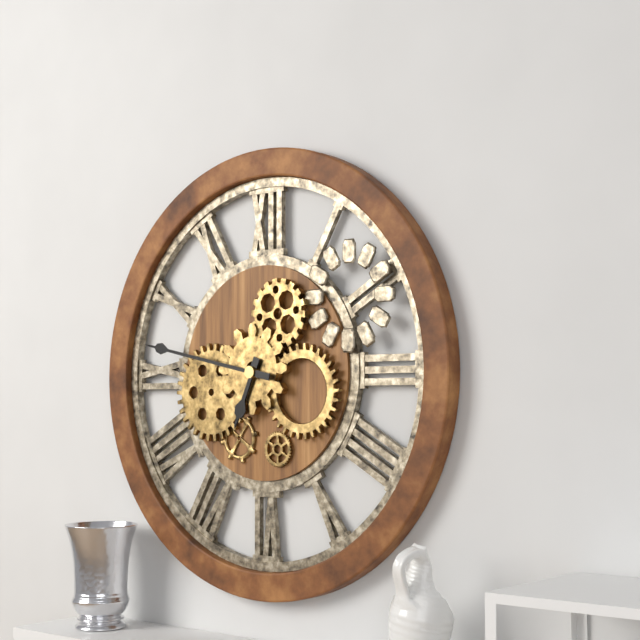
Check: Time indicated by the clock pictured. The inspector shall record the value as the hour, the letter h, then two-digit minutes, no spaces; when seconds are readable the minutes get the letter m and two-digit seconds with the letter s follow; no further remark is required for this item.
6h47
